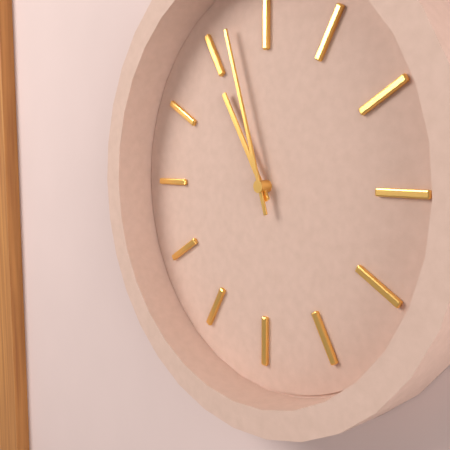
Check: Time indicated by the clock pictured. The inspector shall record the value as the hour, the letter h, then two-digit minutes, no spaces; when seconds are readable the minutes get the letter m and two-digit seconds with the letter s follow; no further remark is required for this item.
10h57
